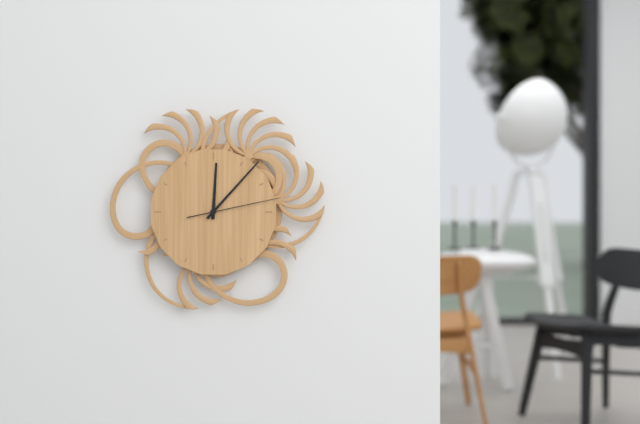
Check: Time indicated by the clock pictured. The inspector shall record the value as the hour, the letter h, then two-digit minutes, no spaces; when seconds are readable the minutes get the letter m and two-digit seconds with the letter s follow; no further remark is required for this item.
12h07m13s
